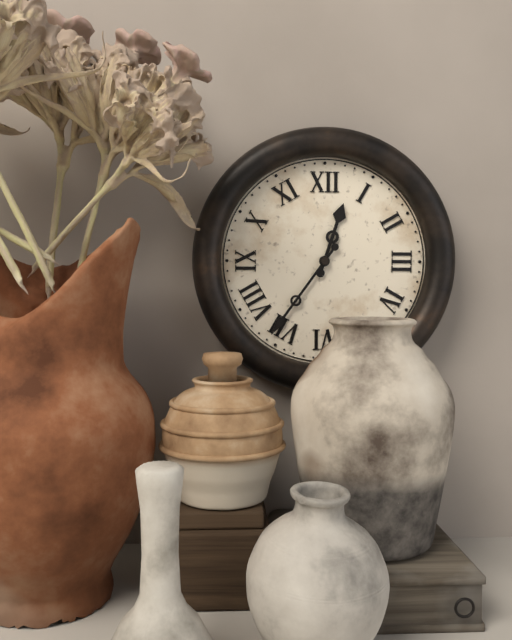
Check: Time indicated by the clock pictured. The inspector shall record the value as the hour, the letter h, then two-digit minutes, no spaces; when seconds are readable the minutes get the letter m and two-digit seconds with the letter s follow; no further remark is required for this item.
12h36
